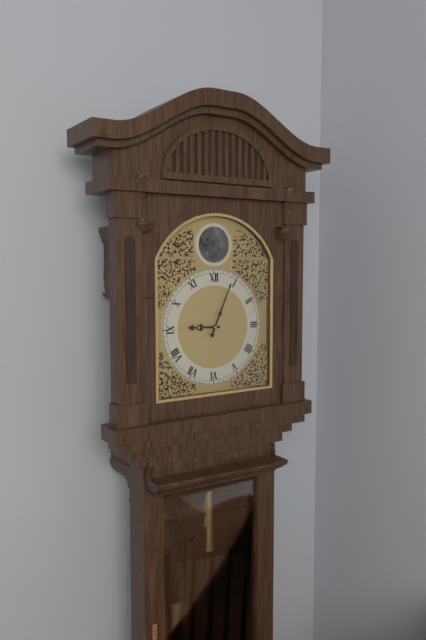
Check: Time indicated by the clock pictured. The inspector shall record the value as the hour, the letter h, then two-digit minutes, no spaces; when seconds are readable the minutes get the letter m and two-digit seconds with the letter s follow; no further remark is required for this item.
9h04
